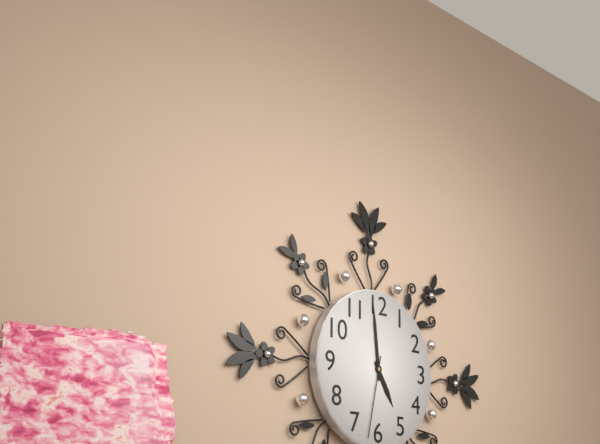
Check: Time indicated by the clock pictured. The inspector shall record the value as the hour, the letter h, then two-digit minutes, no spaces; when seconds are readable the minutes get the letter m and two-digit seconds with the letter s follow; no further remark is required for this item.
4h59m32s
